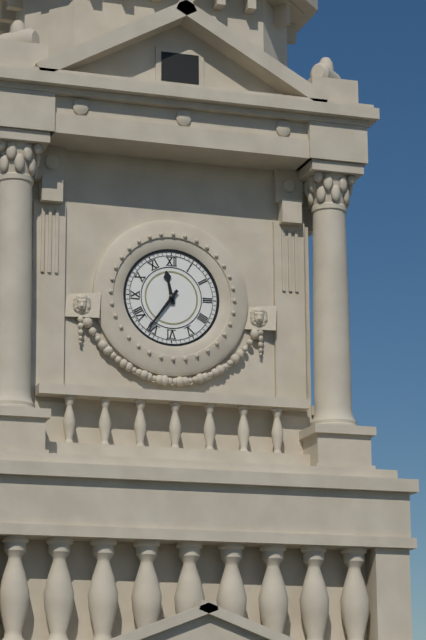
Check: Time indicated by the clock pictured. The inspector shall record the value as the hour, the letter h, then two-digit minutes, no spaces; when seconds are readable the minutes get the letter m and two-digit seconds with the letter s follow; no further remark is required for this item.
11h36
